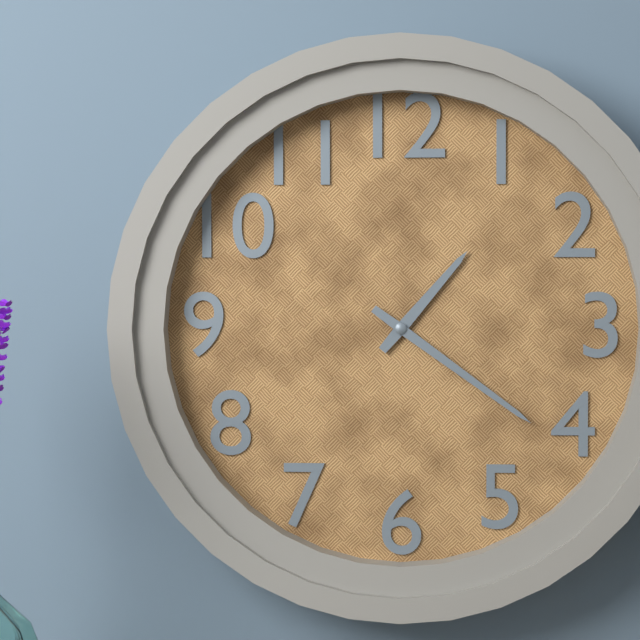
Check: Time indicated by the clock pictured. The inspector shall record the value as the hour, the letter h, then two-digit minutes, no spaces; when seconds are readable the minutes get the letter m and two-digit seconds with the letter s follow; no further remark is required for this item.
1h21
